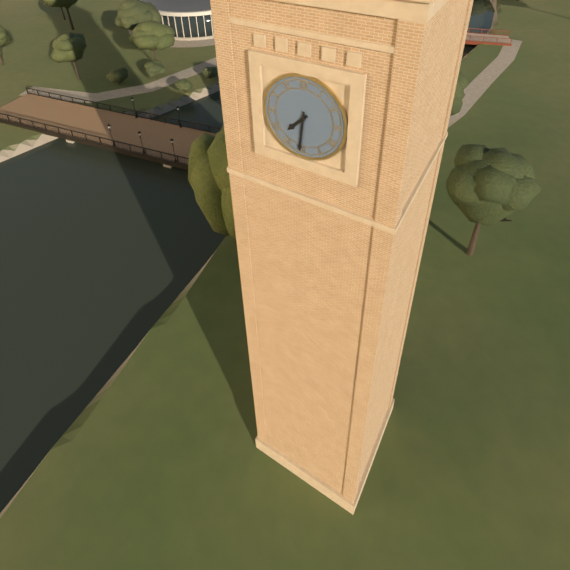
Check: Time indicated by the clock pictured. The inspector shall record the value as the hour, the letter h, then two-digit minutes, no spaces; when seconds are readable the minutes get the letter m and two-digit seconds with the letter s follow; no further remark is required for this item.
7h31
